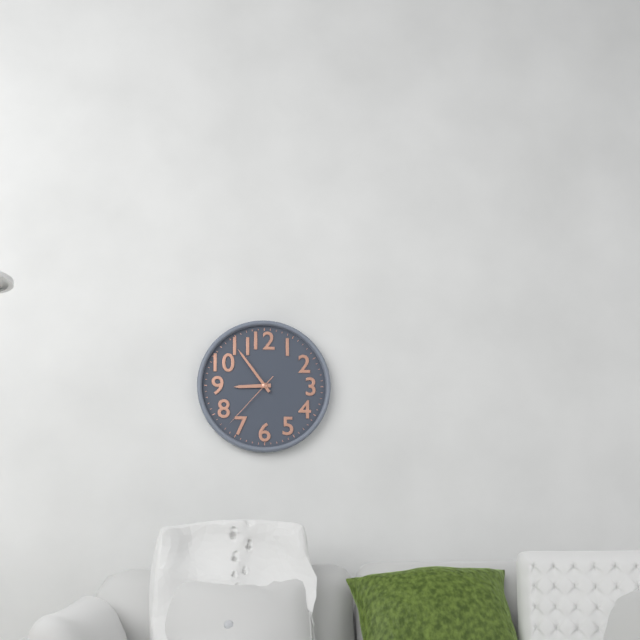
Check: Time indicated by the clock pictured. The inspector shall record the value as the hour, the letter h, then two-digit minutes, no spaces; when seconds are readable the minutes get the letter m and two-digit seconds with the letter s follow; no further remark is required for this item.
8h54m37s
